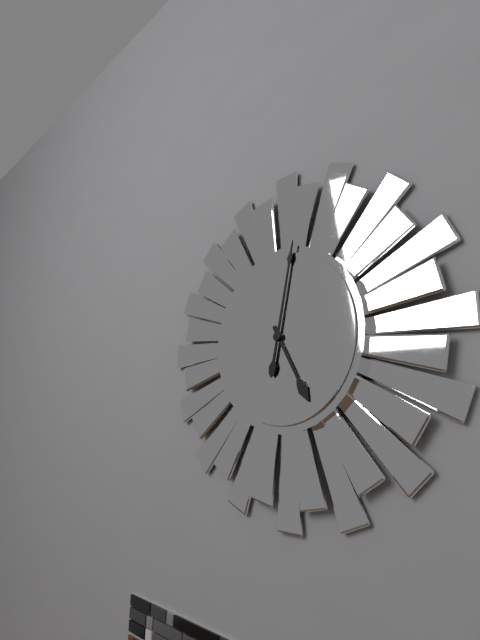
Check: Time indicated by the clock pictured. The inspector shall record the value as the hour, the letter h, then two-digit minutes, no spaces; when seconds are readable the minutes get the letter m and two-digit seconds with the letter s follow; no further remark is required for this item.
5h02
